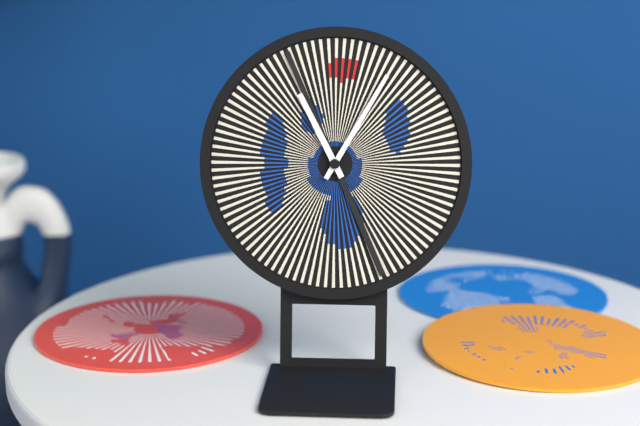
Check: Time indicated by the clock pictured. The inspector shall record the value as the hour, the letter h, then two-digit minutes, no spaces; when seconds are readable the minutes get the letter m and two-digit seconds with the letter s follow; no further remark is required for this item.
11h05
